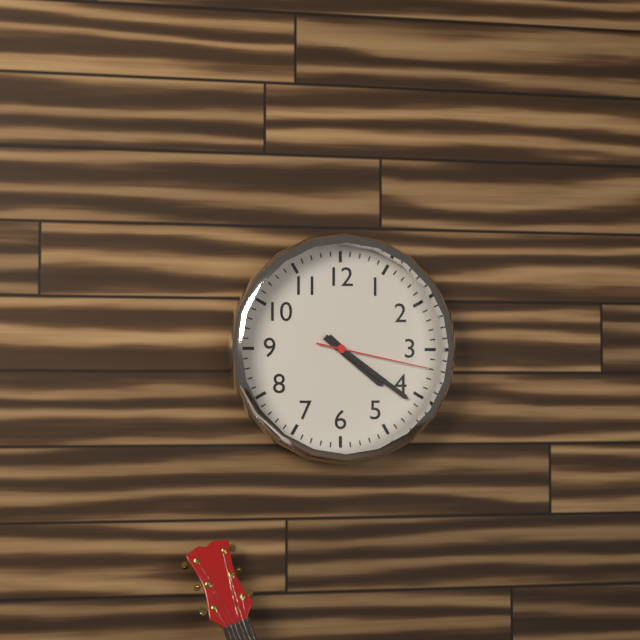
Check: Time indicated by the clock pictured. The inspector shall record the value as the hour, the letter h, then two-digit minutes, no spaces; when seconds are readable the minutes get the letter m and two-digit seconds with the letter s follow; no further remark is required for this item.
4h21m17s
